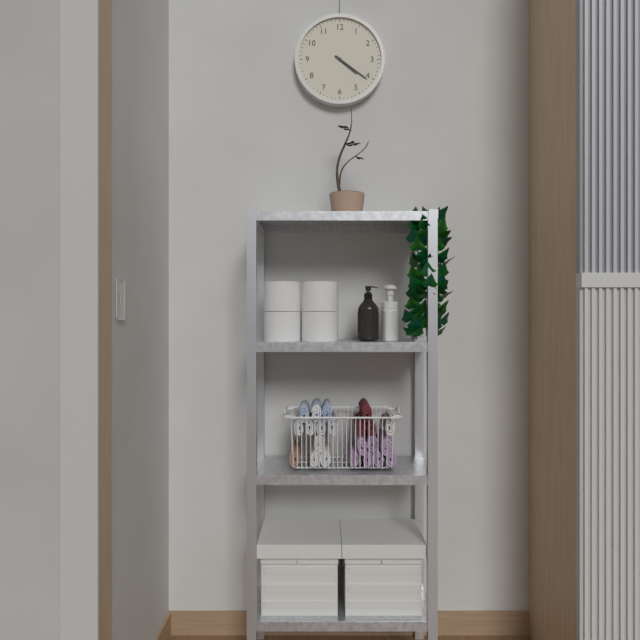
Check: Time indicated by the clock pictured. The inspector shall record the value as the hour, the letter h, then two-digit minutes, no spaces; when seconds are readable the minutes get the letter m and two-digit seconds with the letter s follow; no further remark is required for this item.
4h21
